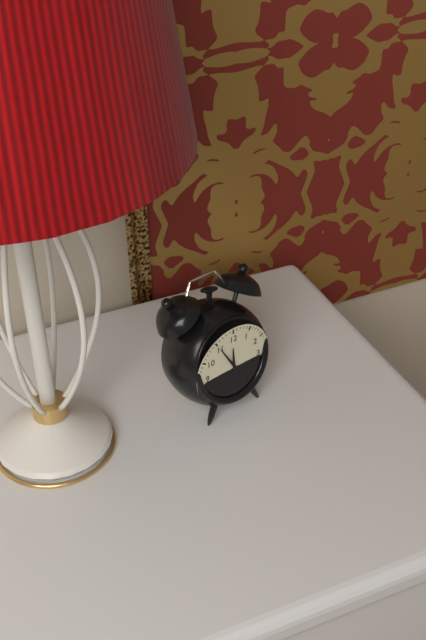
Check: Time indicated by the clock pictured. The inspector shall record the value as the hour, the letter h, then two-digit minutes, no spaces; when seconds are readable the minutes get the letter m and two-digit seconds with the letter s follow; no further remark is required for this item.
11h55
